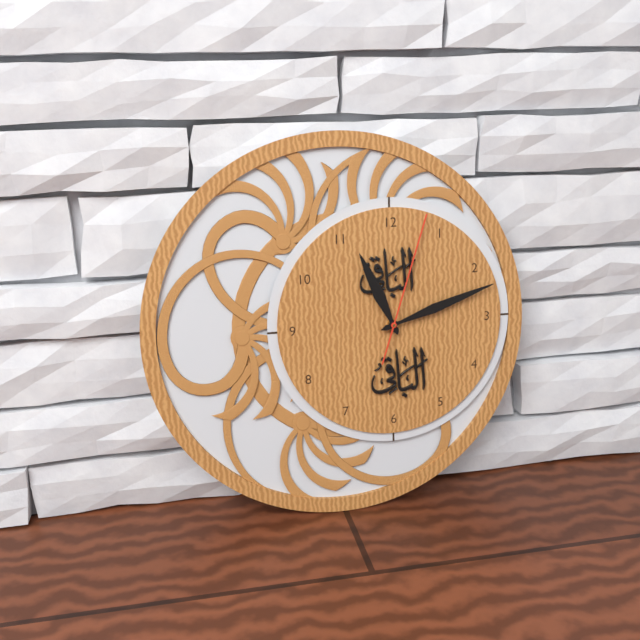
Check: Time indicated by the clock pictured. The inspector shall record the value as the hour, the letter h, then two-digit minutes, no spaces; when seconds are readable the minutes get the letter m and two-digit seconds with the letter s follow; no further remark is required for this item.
11h12m03s
